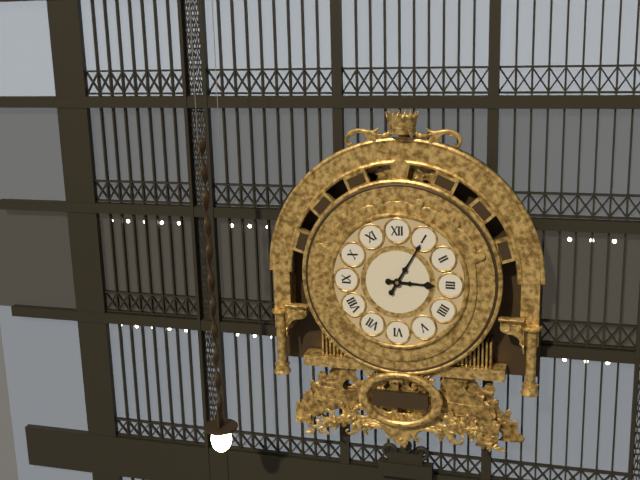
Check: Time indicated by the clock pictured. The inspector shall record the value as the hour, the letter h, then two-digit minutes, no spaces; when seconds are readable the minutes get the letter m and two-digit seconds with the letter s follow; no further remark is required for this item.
3h05
